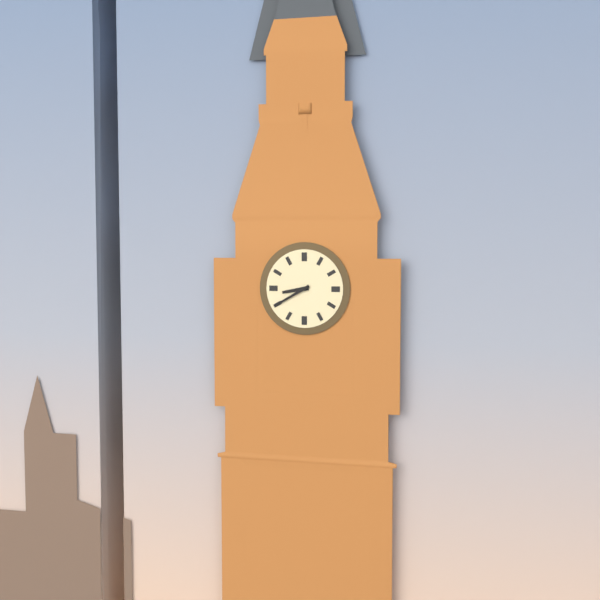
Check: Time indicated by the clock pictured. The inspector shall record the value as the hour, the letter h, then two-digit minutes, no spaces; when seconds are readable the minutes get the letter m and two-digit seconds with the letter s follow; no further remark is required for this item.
8h40
